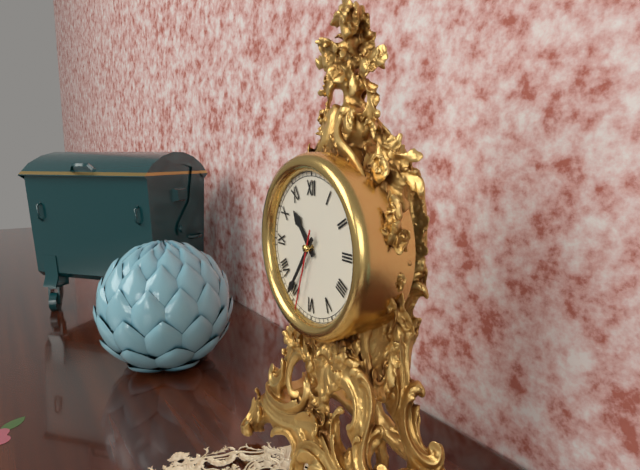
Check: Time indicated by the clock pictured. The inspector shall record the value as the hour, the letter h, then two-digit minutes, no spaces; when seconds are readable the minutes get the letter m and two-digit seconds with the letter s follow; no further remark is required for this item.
10h36m33s
